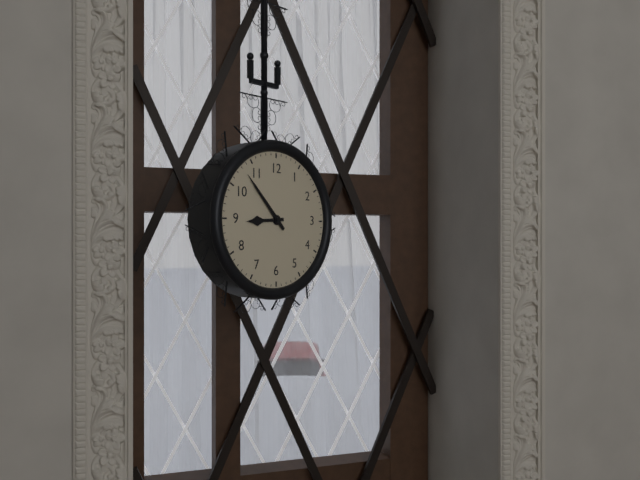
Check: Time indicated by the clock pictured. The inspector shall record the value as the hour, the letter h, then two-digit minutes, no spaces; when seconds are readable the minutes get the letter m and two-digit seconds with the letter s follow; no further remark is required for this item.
8h53
